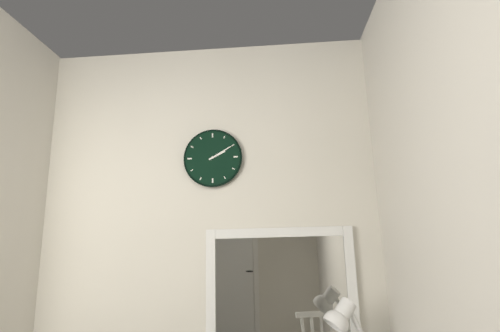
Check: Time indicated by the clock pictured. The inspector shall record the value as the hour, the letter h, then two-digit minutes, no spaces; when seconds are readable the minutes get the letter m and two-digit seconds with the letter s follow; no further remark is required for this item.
2h10
